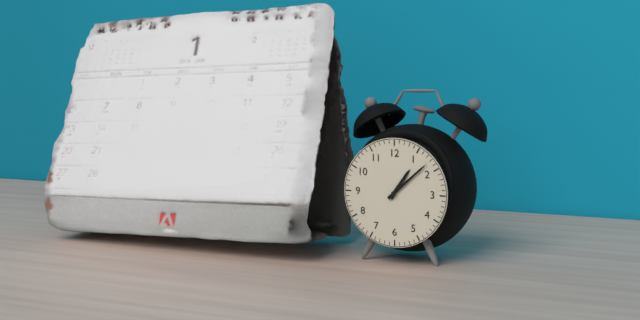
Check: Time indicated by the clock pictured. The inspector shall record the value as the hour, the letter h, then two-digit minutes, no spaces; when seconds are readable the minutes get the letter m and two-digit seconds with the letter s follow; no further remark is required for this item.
1h08
